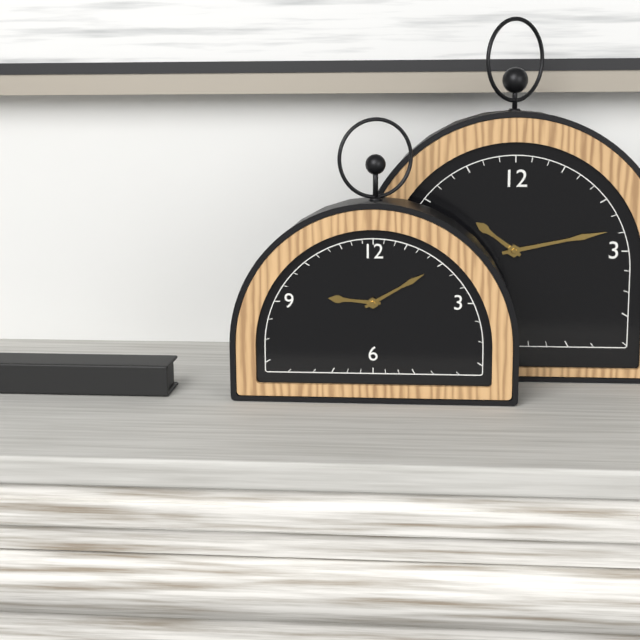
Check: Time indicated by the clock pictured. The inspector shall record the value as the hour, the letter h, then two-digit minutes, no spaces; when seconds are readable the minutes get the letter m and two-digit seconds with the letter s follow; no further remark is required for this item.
9h10
